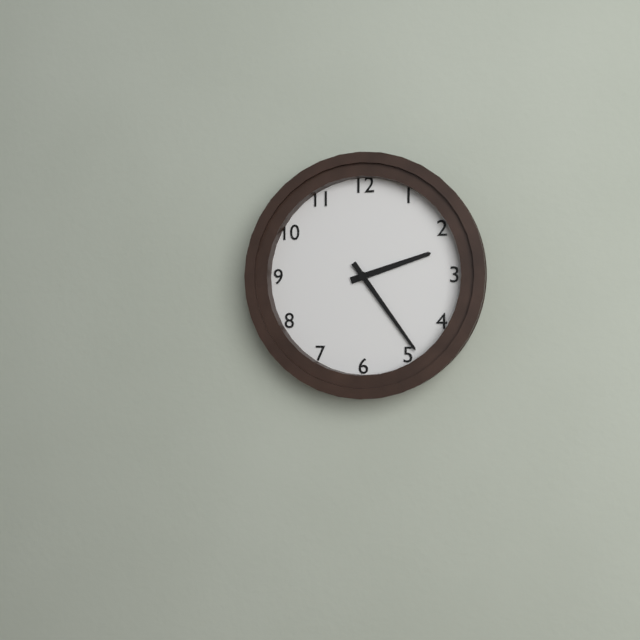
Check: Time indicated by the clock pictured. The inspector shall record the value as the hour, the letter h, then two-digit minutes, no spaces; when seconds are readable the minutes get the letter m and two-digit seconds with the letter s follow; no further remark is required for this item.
2h24
